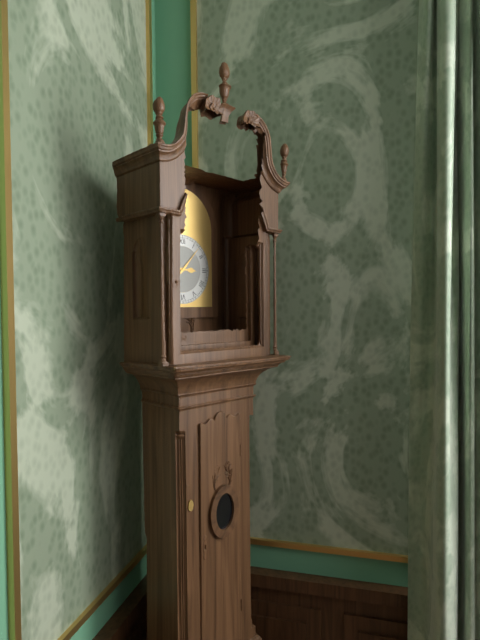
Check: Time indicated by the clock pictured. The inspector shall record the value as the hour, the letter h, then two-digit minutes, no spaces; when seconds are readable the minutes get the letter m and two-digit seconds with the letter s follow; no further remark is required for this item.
3h07
